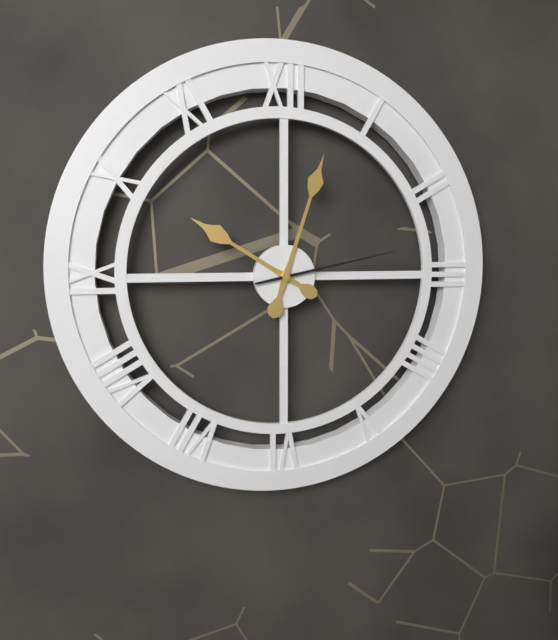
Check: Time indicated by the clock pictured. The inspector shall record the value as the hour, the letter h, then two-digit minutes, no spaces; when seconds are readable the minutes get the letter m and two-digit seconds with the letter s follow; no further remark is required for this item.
10h03m13s
